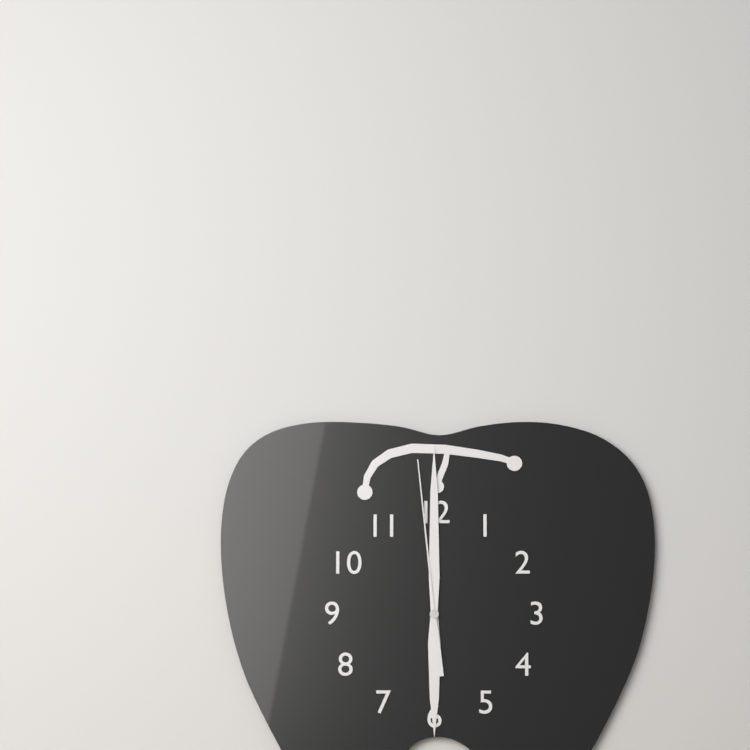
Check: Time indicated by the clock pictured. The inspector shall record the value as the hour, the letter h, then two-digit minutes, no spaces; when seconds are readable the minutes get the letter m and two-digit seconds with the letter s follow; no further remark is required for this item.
6h00m59s
